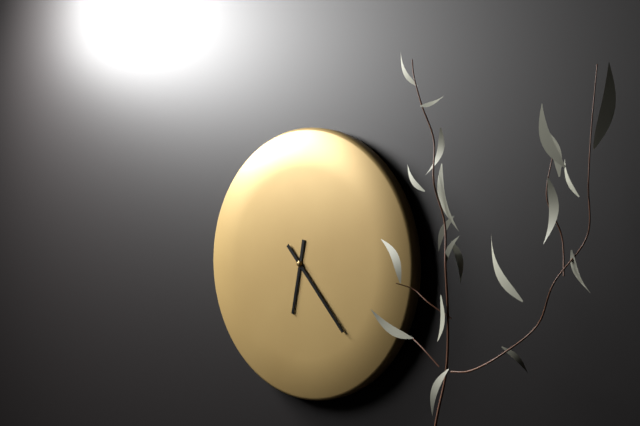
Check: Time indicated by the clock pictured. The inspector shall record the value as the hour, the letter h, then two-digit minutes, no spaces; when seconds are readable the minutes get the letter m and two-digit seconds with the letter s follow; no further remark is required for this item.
6h23
